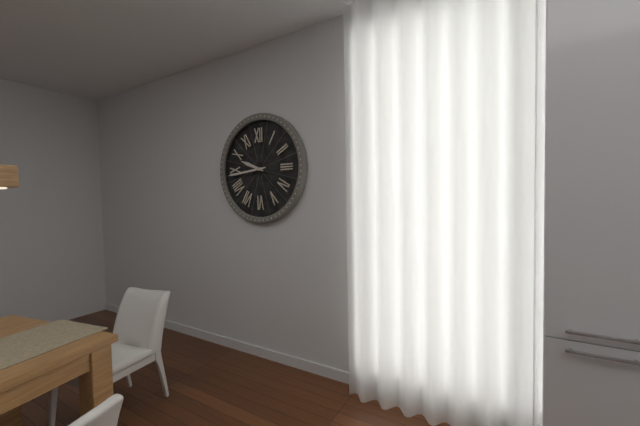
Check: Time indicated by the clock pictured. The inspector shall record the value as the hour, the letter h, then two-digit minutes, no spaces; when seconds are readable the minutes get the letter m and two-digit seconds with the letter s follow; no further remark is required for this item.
9h44
